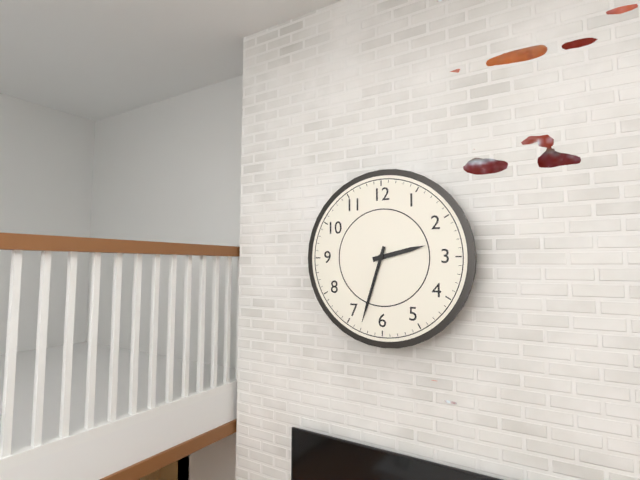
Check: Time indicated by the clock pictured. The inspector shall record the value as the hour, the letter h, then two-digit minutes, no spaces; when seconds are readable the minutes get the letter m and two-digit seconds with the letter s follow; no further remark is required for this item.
2h33
